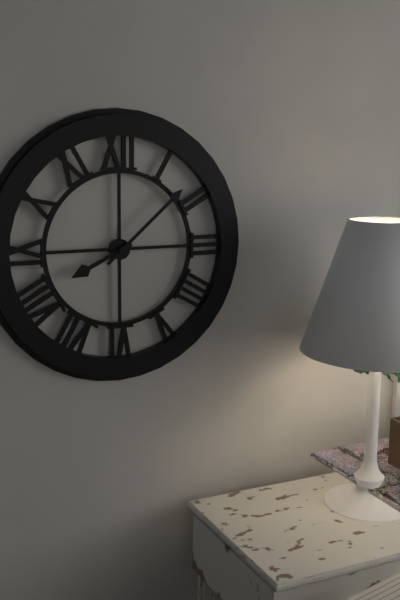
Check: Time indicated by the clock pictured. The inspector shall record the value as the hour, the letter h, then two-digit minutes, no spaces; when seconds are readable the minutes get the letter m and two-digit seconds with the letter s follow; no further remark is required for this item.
8h08
